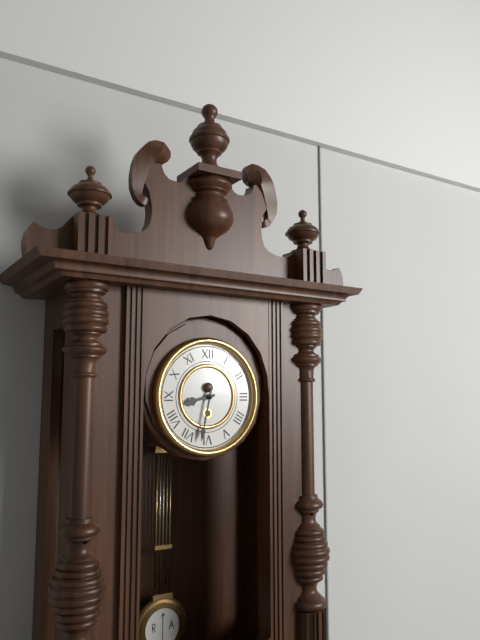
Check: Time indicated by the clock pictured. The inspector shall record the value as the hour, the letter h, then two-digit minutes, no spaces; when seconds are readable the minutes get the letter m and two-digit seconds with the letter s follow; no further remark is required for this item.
8h32
